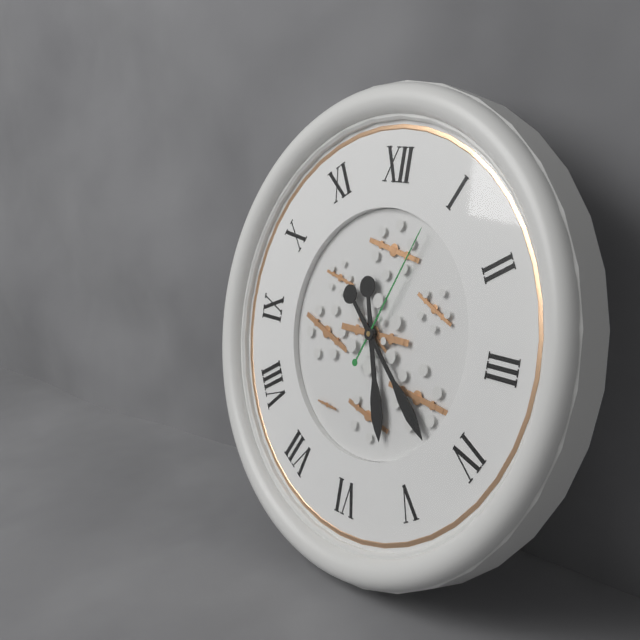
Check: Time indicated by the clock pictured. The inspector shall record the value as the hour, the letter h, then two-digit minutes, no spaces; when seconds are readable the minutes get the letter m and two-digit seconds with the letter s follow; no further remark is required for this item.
5h22m04s
